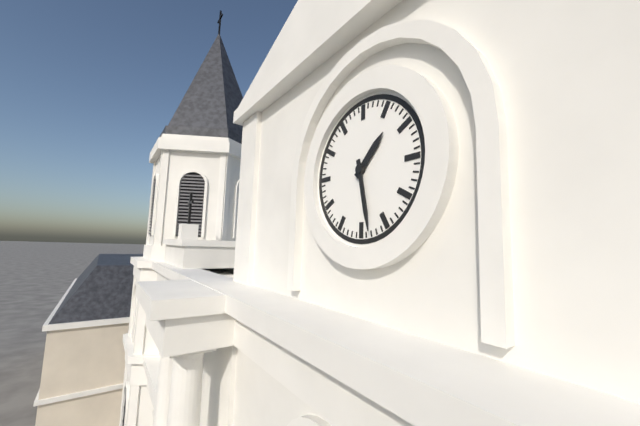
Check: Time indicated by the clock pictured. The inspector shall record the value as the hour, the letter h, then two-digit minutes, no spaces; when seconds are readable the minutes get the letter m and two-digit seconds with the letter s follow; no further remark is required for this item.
1h28
